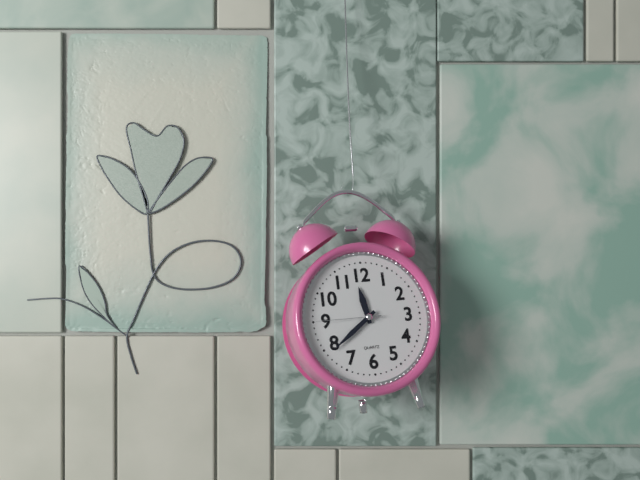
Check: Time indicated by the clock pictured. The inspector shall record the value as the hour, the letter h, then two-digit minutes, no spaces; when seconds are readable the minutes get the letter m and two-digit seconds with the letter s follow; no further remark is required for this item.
11h39m45s
